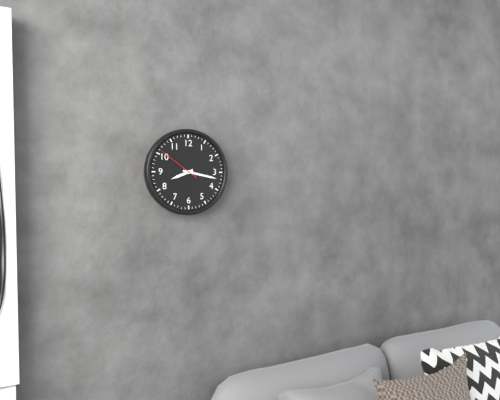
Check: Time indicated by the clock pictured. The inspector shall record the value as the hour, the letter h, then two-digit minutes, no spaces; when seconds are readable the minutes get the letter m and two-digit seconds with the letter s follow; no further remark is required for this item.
8h17
